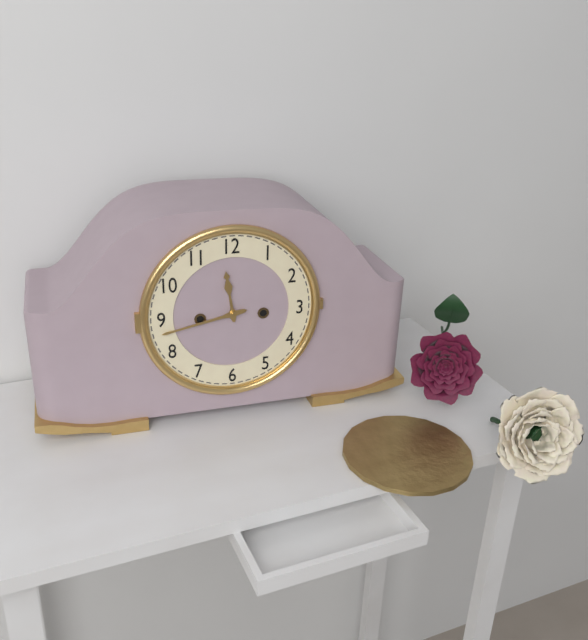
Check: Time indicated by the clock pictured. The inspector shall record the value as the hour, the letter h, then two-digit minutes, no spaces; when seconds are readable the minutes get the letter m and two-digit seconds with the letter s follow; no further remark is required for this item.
11h43
